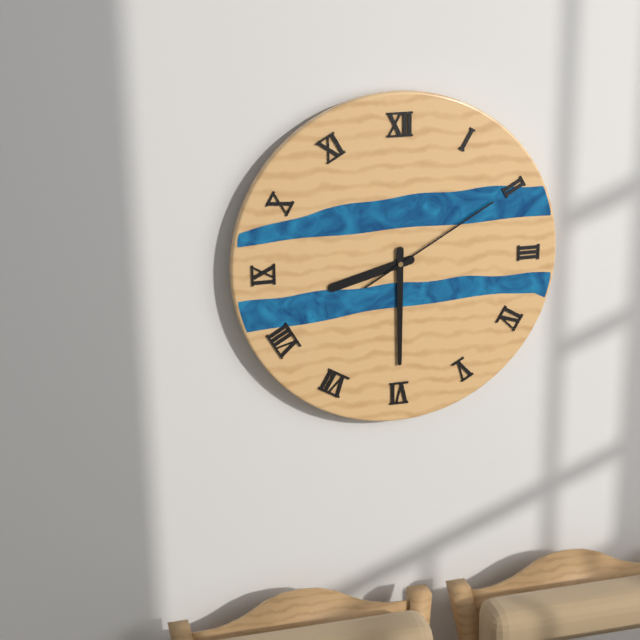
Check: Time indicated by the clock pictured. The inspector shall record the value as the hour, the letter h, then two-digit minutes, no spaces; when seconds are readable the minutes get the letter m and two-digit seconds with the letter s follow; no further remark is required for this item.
8h30m10s
